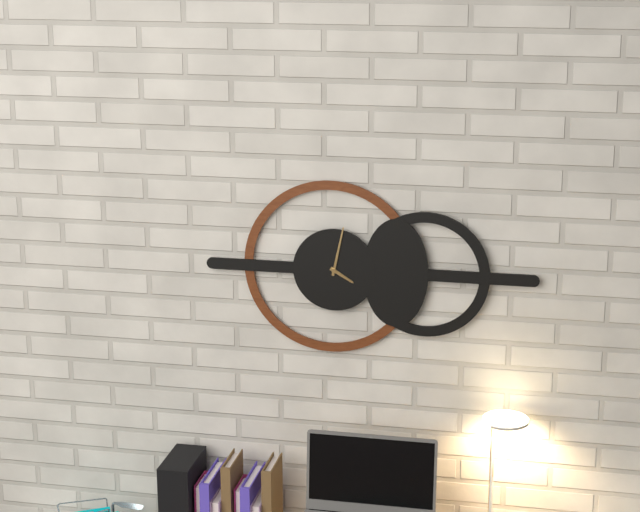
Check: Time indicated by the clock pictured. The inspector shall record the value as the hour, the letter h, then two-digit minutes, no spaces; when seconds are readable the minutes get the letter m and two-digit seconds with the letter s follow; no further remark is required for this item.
4h02
